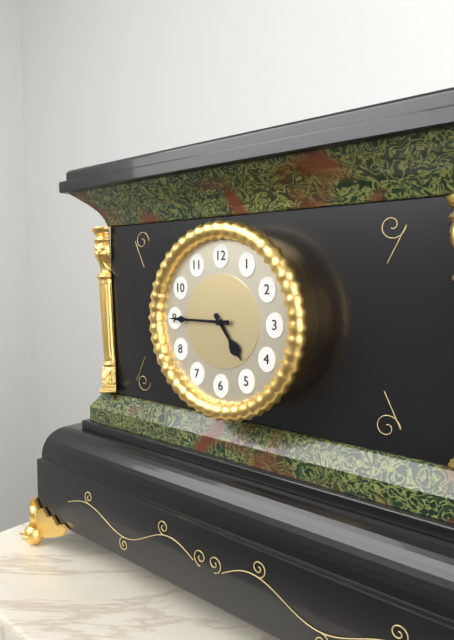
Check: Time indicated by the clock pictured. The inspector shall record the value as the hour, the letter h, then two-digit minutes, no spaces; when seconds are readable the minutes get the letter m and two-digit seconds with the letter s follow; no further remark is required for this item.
4h45
